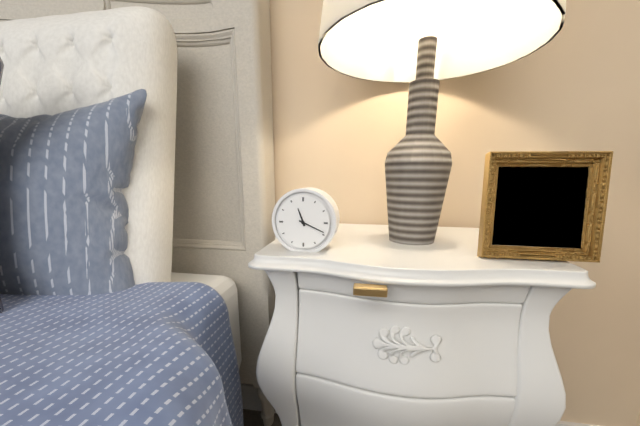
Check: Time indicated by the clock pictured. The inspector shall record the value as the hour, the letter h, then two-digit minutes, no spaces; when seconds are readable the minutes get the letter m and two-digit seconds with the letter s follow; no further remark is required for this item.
11h19
